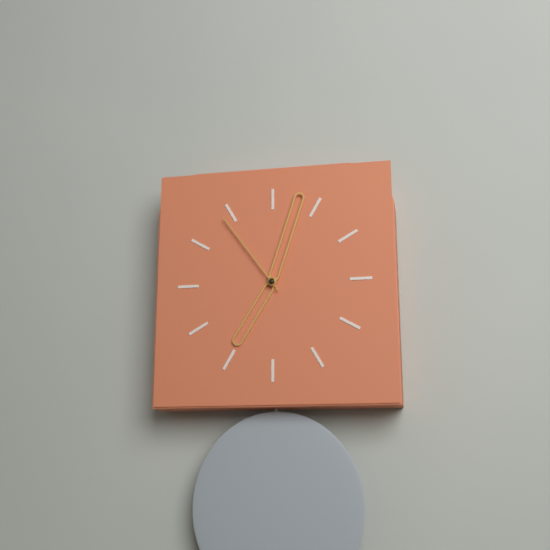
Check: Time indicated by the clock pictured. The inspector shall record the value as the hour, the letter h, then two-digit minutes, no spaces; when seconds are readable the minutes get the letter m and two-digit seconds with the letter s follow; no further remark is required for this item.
7h03m54s
